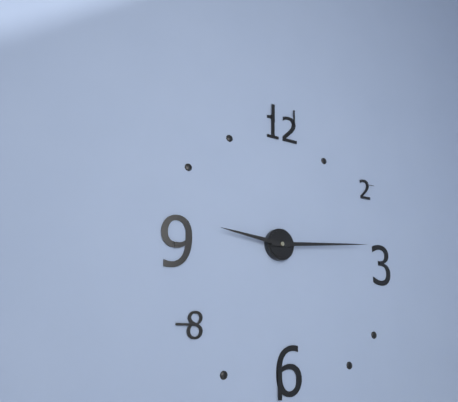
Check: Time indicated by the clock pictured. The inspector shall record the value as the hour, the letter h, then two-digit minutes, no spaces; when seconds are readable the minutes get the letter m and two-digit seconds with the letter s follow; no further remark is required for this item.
9h14
